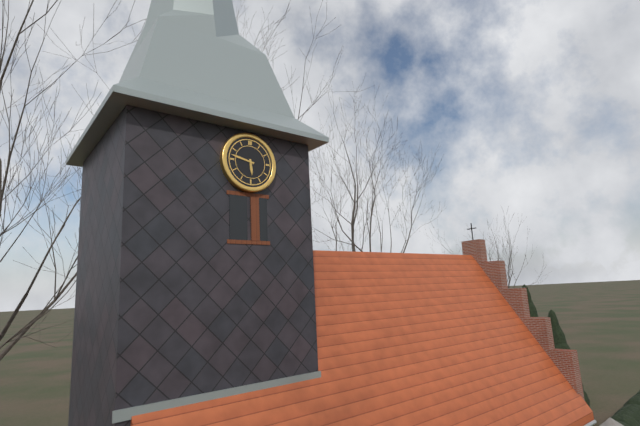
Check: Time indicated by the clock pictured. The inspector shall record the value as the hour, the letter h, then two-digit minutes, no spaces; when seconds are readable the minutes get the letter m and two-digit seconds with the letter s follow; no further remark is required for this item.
5h47
